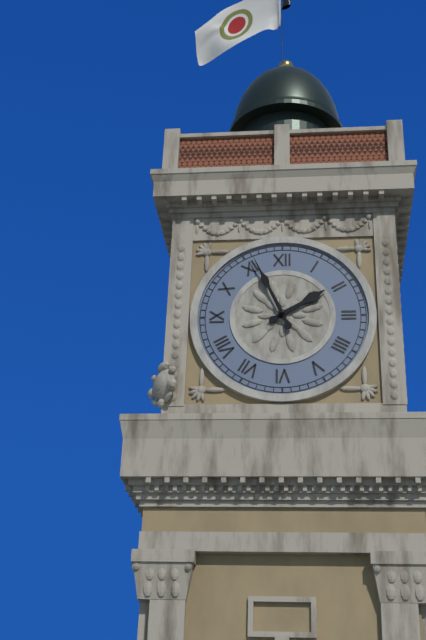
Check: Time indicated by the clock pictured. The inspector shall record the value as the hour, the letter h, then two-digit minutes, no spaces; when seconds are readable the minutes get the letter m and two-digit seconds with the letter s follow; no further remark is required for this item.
1h56
